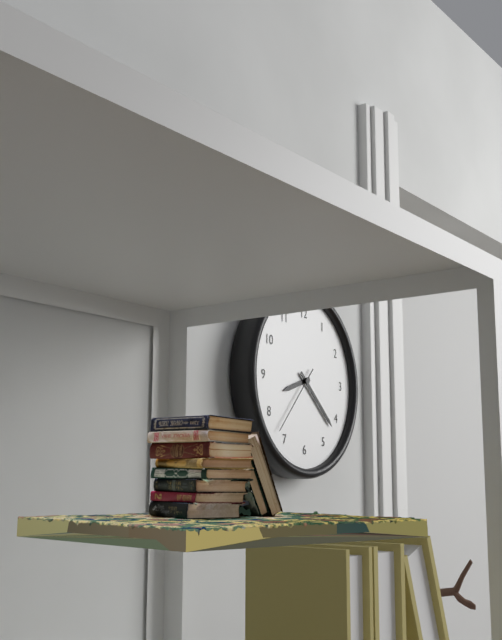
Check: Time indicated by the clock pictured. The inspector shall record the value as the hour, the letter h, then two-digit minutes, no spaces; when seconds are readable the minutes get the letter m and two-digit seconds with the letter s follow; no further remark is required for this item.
8h22m37s
